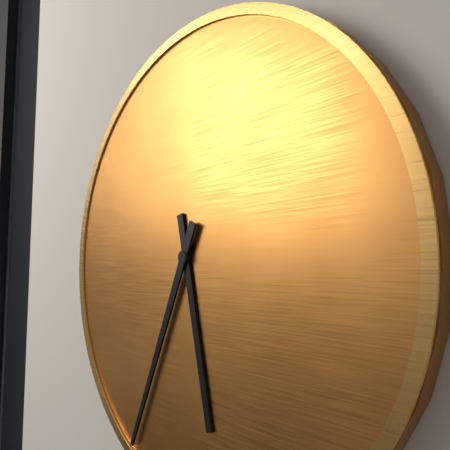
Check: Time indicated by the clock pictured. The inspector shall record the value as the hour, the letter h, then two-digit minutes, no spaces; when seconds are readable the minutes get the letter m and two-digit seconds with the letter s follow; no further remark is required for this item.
5h34
